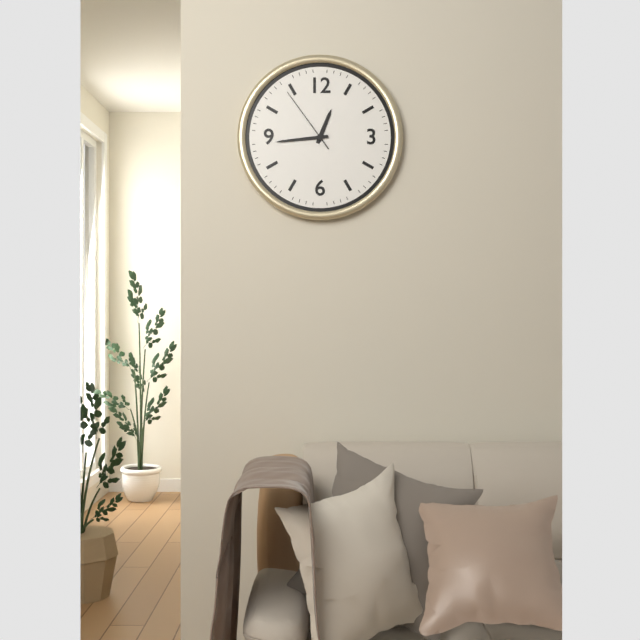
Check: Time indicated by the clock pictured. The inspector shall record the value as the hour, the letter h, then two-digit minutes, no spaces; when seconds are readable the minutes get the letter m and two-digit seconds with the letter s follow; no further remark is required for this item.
12h44m54s
